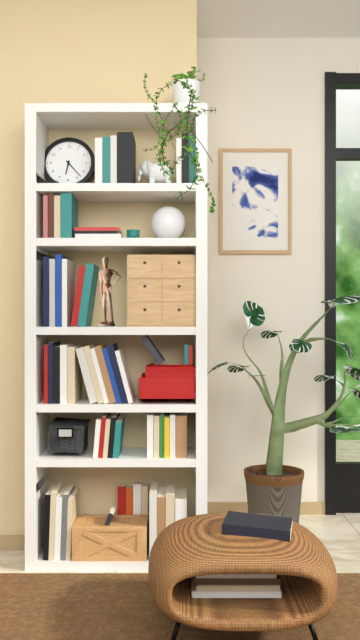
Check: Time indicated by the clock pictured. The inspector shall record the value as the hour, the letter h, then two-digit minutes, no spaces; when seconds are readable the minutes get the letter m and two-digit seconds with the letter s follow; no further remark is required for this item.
6h23
